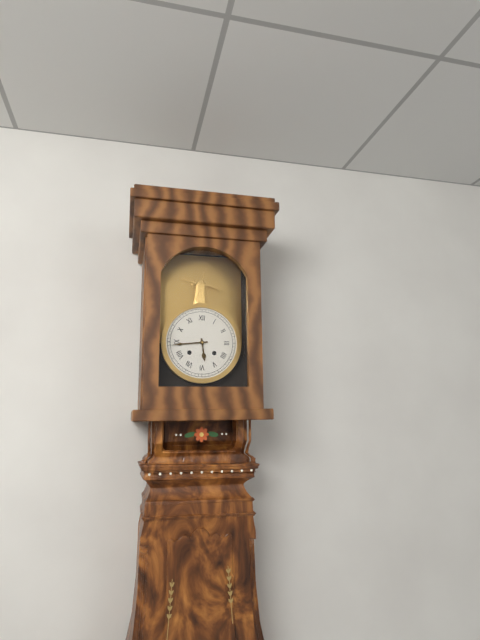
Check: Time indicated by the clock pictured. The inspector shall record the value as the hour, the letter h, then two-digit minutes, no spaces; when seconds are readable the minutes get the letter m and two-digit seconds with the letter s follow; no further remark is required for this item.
5h44
